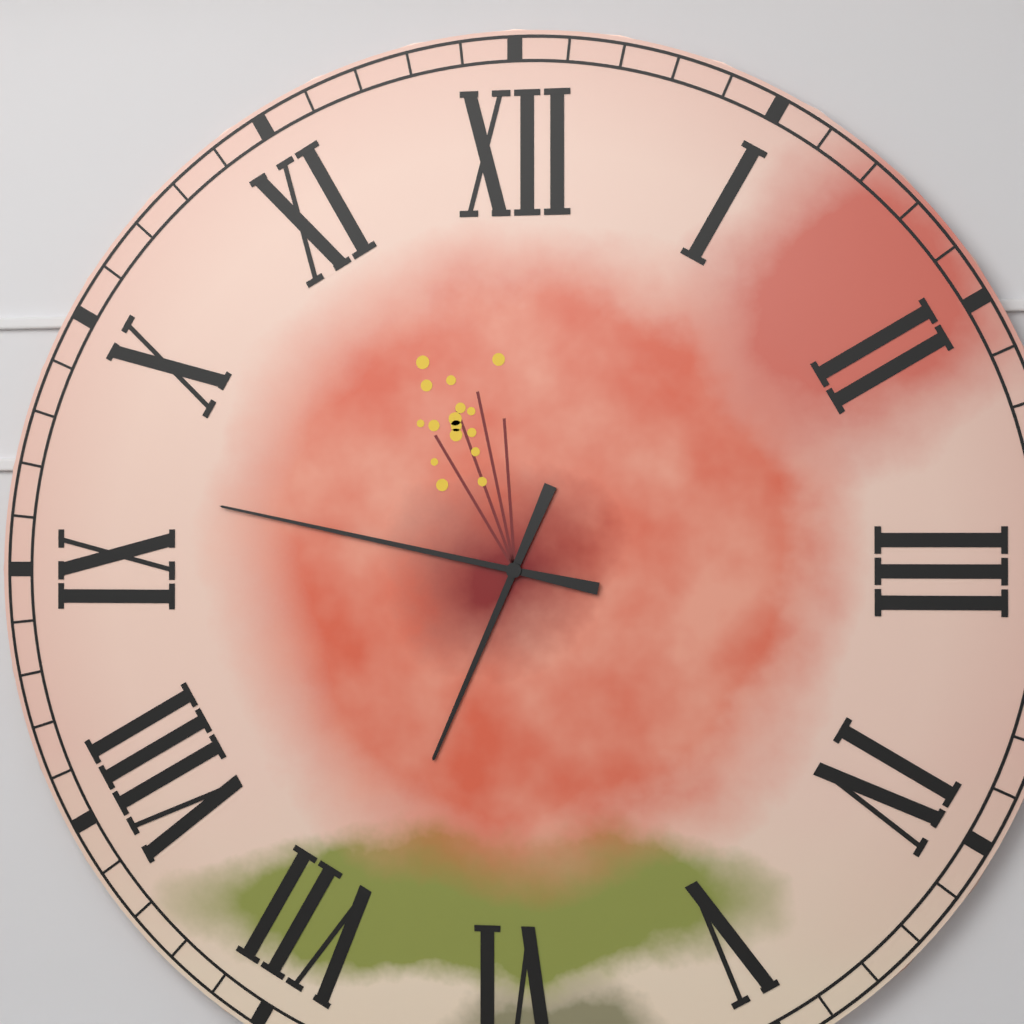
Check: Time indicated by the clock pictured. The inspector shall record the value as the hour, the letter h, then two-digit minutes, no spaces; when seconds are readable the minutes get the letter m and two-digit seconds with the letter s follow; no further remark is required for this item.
6h47
